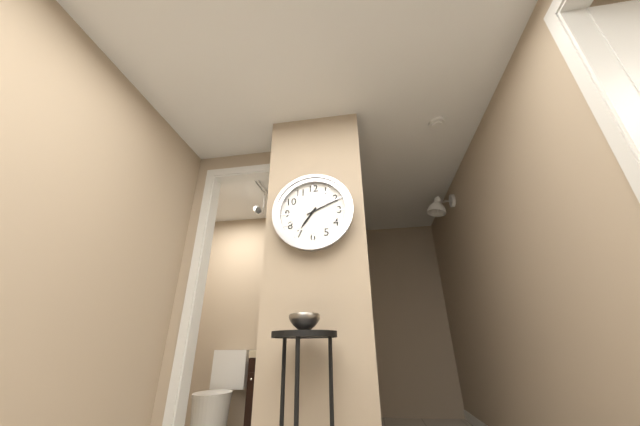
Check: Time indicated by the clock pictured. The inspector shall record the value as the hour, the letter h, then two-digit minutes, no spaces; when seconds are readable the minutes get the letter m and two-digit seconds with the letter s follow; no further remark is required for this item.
7h11
